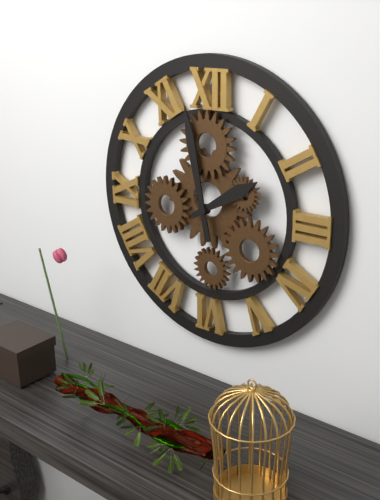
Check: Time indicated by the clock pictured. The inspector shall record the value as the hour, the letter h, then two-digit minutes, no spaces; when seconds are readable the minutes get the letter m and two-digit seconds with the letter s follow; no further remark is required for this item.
1h58
